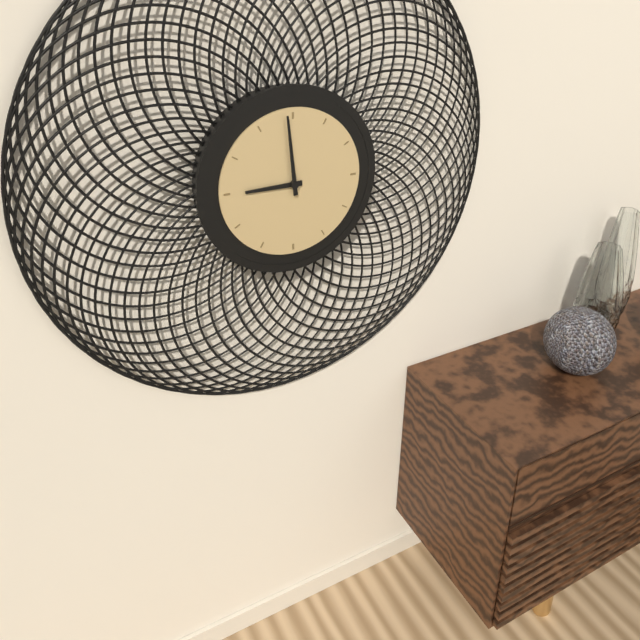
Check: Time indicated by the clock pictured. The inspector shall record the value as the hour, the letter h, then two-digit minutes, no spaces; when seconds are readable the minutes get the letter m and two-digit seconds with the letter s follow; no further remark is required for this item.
8h59
